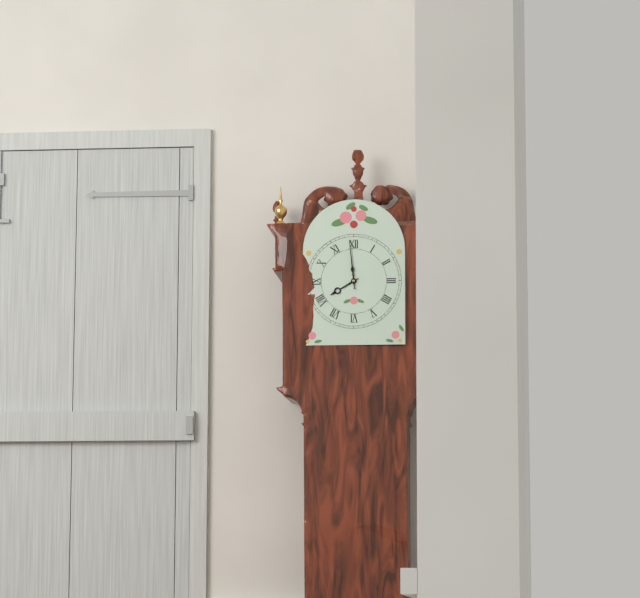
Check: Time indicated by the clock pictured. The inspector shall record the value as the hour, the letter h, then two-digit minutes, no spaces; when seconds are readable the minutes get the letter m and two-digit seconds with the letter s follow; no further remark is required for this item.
7h59
